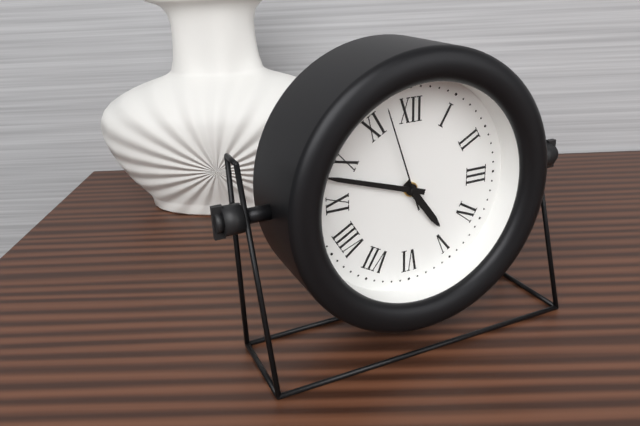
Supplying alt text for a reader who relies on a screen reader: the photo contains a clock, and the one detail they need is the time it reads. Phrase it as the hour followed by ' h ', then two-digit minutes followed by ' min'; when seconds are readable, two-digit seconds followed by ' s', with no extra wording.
4 h 48 min 57 s
